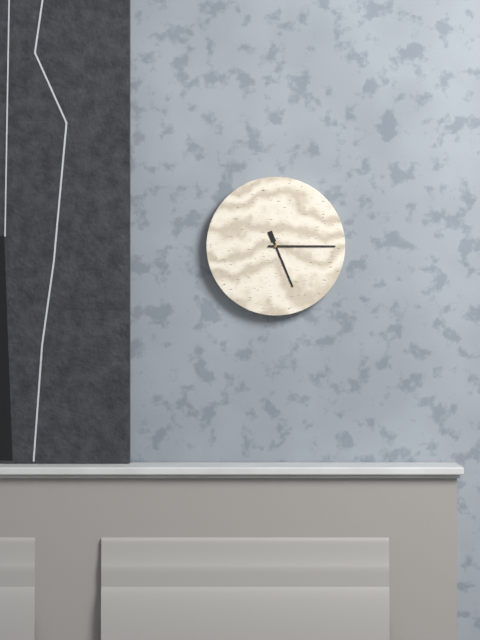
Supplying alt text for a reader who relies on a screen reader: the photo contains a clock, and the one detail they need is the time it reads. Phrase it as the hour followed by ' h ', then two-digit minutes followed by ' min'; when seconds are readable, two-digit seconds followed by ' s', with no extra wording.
5 h 15 min
